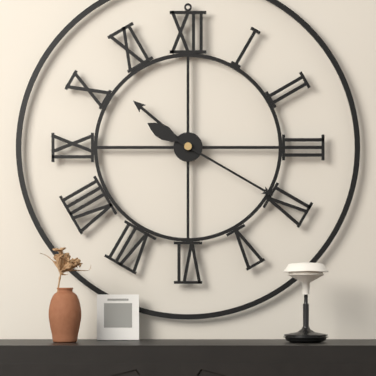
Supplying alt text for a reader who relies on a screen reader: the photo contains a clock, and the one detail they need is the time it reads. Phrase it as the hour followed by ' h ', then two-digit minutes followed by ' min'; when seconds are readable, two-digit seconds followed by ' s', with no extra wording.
10 h 20 min
